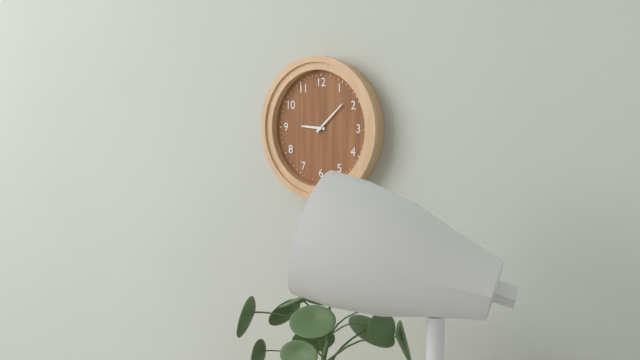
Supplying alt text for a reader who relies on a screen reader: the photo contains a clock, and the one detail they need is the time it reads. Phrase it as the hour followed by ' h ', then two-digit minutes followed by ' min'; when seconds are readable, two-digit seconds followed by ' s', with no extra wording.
9 h 08 min
